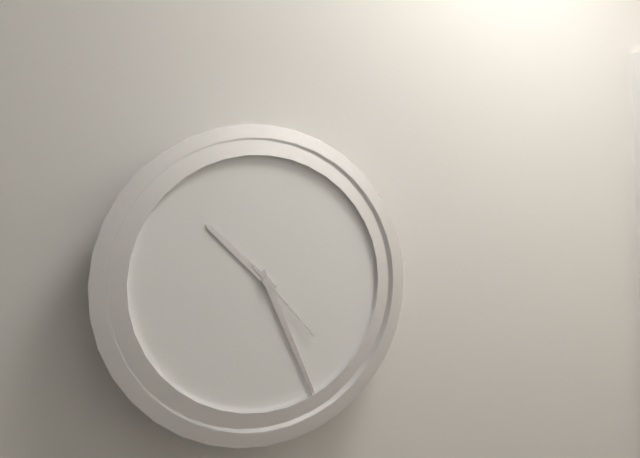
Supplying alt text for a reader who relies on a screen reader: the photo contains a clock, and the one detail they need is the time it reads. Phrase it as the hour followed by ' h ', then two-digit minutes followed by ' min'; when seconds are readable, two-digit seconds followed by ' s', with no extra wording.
10 h 26 min 23 s
